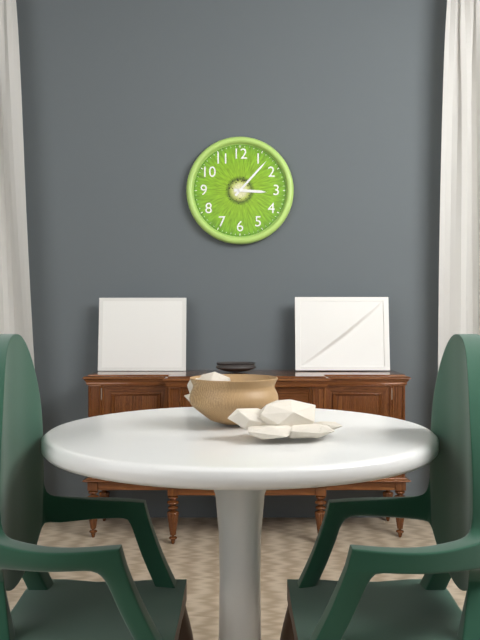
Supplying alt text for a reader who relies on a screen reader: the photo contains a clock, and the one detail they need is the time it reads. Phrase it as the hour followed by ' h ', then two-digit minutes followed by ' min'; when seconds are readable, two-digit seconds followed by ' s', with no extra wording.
3 h 07 min
